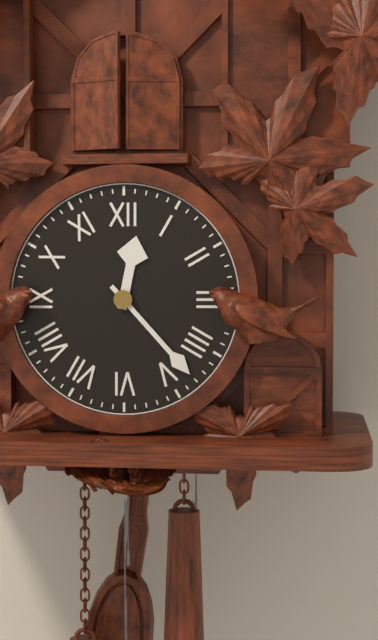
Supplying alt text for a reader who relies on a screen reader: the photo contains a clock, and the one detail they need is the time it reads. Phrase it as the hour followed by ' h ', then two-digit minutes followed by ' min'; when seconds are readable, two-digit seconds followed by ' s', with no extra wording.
12 h 23 min
